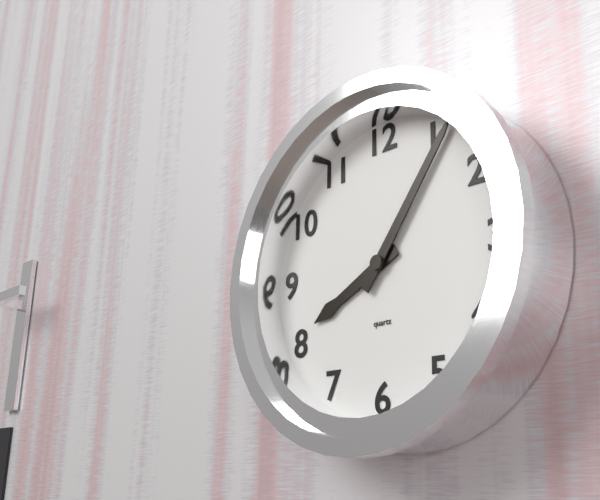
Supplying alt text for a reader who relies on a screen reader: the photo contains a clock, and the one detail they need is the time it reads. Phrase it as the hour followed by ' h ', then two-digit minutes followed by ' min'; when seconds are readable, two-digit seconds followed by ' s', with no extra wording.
8 h 06 min
